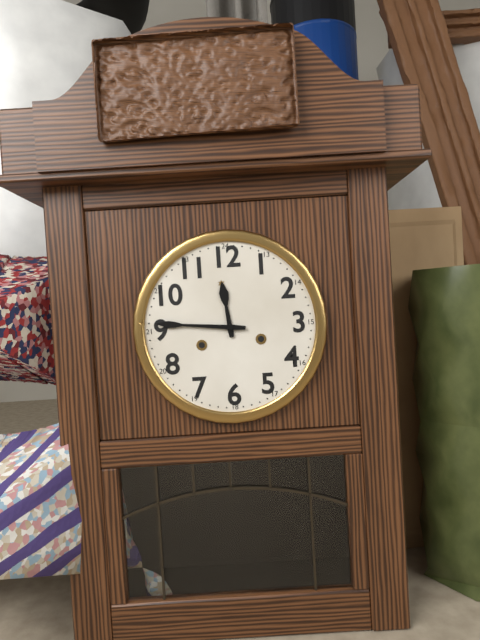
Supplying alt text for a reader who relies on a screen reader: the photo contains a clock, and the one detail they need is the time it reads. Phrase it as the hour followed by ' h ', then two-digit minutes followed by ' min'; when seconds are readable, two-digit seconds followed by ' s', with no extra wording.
11 h 46 min
